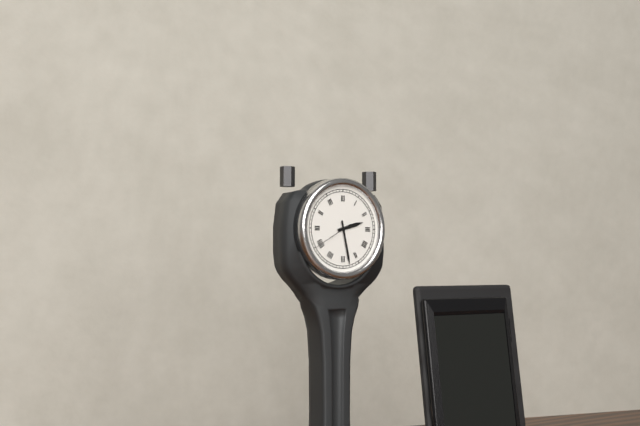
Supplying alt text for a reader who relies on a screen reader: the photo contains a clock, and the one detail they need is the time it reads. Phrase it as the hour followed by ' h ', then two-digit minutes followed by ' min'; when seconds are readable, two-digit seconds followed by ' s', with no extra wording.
2 h 28 min
